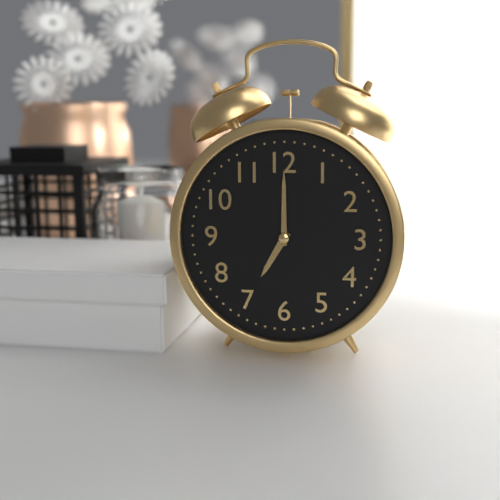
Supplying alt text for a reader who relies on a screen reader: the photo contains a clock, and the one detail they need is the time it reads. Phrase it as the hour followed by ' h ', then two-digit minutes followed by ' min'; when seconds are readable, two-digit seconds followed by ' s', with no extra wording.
7 h 00 min
